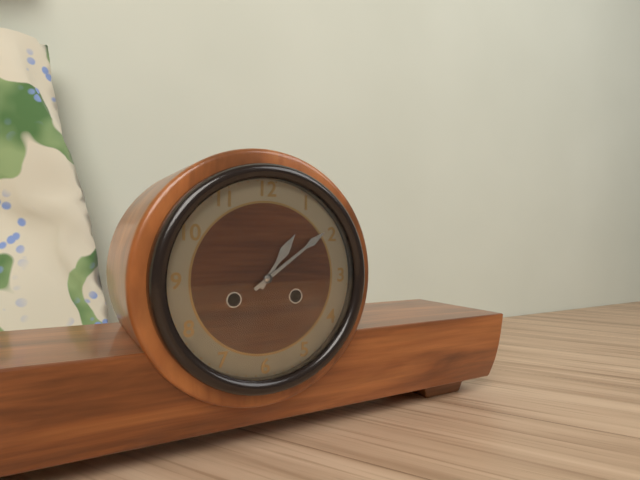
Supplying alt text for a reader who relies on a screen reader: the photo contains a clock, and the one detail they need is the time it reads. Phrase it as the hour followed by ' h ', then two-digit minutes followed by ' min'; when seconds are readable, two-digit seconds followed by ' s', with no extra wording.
1 h 09 min
